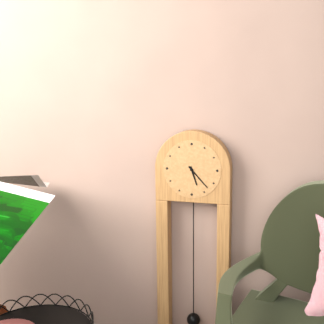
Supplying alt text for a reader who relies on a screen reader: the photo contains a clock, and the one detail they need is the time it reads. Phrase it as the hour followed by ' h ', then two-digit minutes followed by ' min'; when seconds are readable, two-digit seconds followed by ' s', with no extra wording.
5 h 23 min
